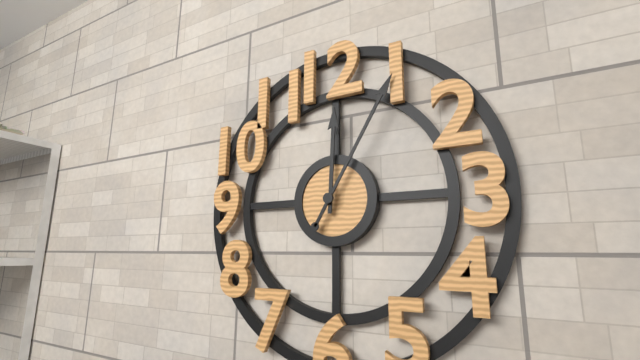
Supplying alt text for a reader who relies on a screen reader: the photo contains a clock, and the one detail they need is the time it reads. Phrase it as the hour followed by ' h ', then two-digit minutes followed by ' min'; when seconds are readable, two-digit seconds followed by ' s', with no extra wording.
12 h 05 min
